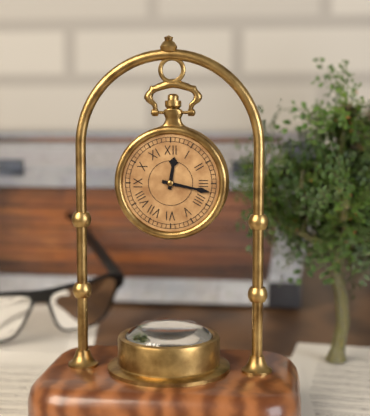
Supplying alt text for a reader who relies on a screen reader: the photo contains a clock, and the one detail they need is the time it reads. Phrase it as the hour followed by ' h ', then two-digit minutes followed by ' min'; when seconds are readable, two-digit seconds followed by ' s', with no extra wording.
12 h 17 min
